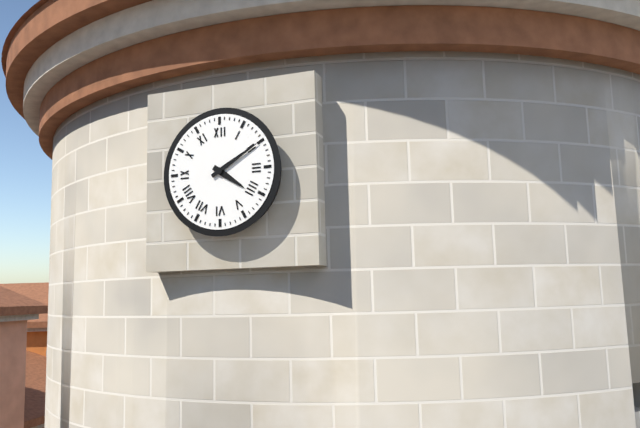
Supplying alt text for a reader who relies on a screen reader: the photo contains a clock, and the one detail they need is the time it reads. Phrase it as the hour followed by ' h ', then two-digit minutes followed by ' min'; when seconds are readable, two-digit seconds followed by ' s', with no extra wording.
4 h 10 min
